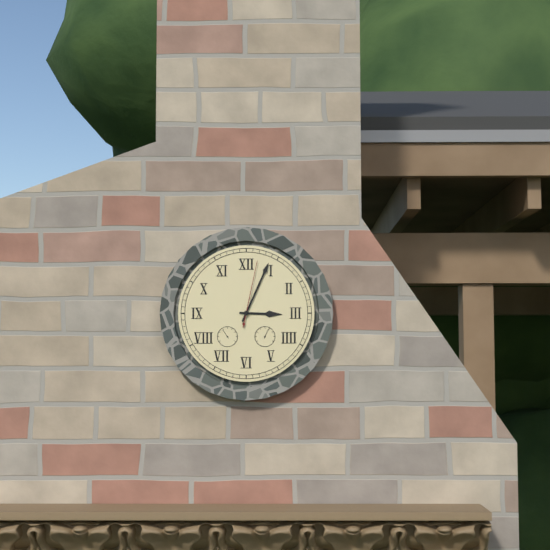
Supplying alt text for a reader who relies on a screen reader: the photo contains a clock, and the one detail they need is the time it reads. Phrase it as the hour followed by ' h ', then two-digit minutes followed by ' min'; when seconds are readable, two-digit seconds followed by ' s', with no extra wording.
3 h 04 min 02 s
